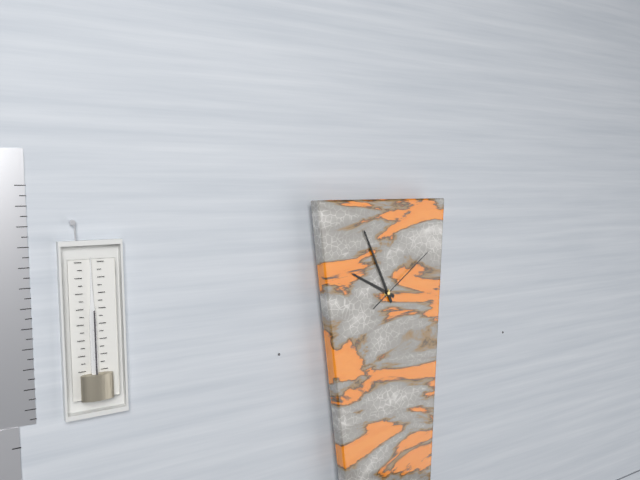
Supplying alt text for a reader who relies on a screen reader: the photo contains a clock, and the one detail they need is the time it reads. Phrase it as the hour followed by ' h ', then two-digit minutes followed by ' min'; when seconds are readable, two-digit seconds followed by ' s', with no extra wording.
9 h 56 min 09 s
